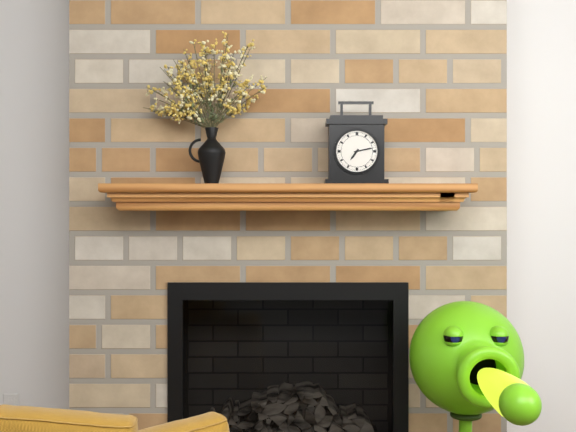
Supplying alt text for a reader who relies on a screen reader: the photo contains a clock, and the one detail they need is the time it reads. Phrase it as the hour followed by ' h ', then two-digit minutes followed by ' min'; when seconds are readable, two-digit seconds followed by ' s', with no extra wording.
7 h 13 min
